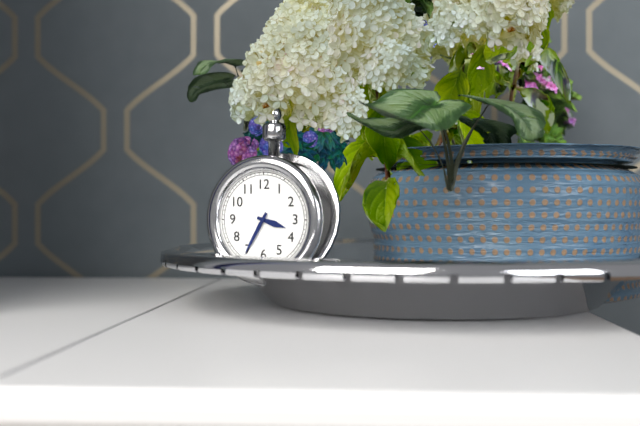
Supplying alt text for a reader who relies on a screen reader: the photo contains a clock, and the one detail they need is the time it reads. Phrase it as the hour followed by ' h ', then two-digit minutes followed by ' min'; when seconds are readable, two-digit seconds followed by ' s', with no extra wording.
3 h 35 min
